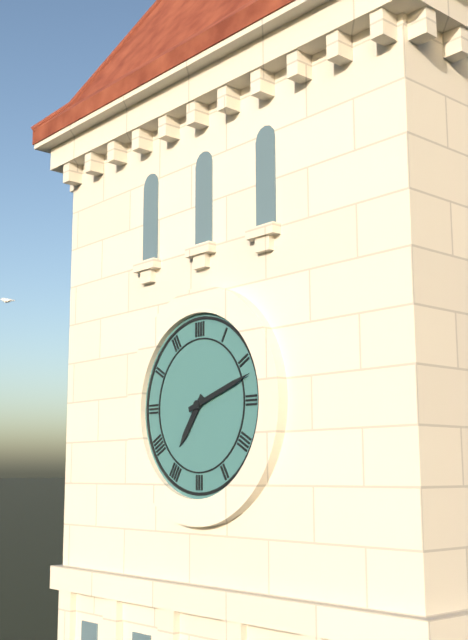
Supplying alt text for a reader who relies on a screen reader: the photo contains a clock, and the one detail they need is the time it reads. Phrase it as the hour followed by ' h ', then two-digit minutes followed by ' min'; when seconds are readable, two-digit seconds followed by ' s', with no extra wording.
7 h 12 min
